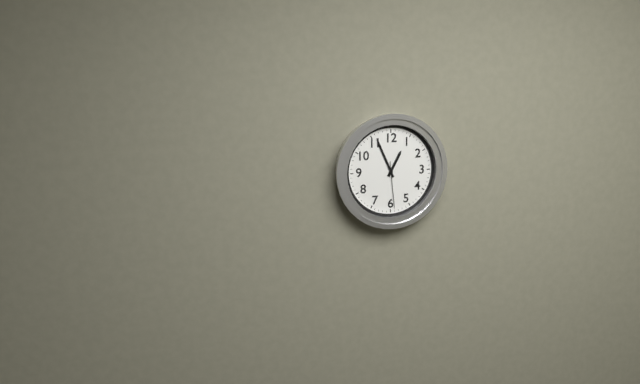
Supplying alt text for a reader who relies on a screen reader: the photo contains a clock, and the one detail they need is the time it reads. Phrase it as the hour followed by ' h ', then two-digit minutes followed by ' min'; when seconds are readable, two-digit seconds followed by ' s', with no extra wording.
12 h 56 min
